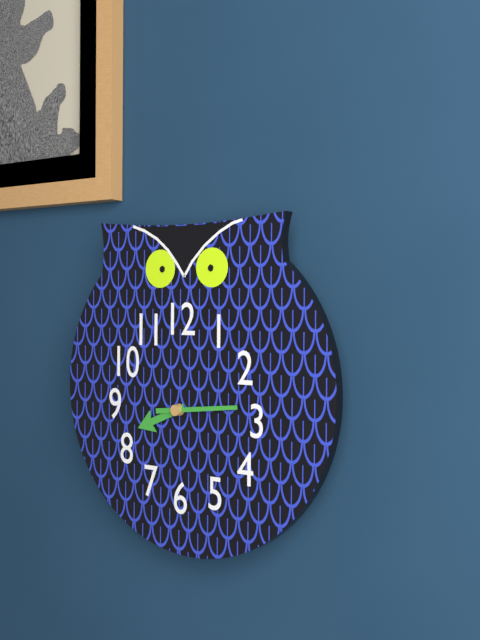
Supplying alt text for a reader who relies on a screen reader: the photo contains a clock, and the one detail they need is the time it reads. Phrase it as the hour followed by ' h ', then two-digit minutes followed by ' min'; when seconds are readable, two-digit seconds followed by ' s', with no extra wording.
8 h 14 min
